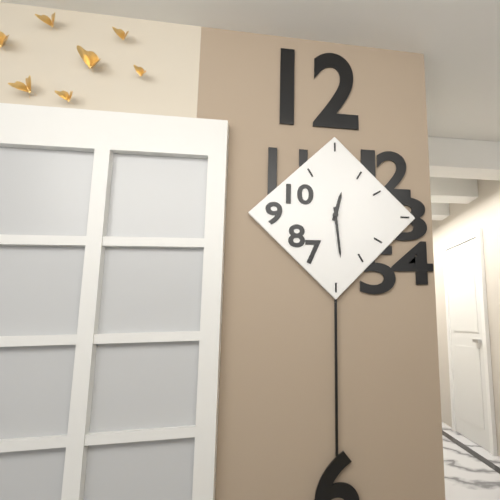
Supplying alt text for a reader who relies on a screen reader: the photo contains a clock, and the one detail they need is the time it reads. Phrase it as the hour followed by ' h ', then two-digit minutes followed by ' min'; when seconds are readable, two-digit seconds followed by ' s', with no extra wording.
12 h 29 min
